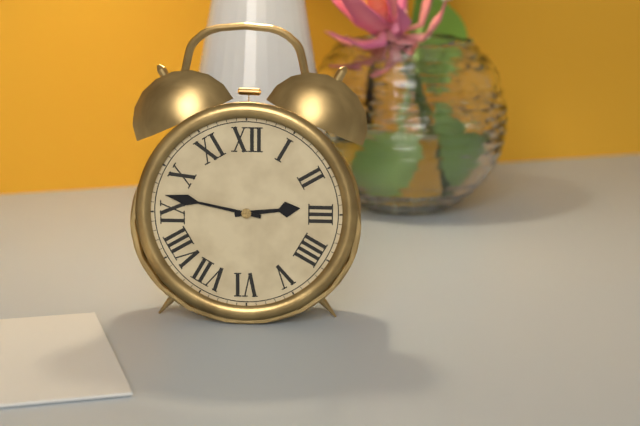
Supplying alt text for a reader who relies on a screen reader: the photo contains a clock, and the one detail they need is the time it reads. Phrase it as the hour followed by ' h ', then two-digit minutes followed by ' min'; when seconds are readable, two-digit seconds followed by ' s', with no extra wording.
2 h 47 min
